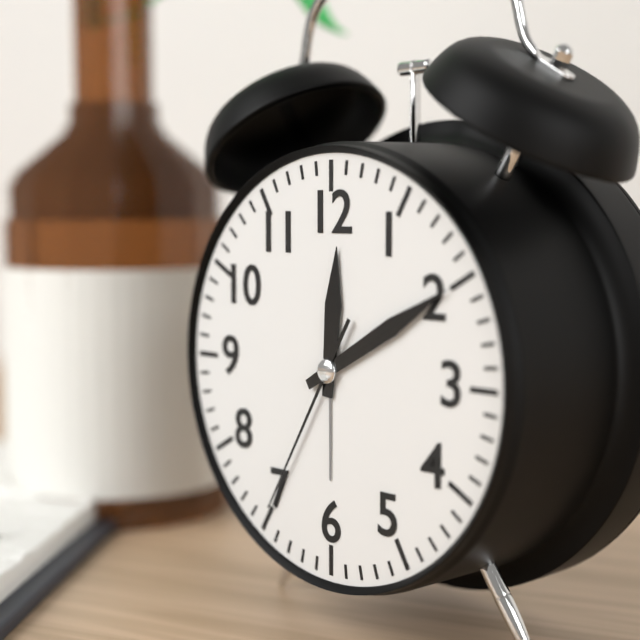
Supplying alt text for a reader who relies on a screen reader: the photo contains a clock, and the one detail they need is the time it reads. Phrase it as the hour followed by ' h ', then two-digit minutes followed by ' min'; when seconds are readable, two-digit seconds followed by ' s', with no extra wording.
12 h 10 min 35 s
